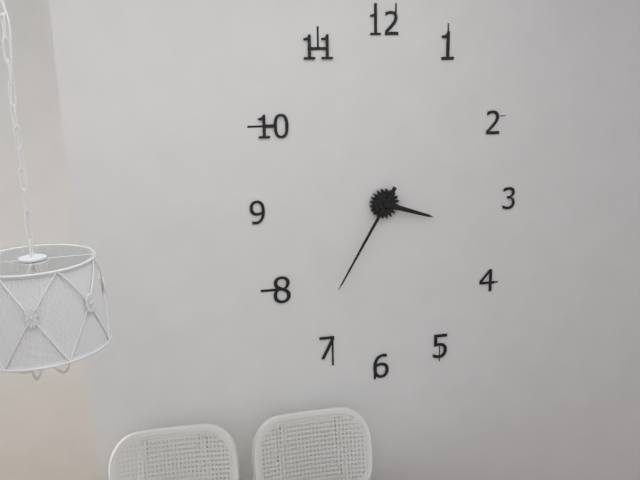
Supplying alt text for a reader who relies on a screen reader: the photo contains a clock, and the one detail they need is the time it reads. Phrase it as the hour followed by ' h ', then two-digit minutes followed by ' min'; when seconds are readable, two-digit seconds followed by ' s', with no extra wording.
3 h 35 min
